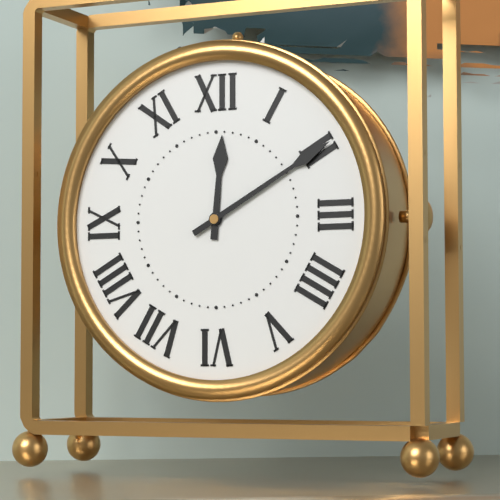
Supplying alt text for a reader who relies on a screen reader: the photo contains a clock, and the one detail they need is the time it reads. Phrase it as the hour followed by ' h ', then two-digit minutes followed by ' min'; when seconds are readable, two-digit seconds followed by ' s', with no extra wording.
12 h 10 min
